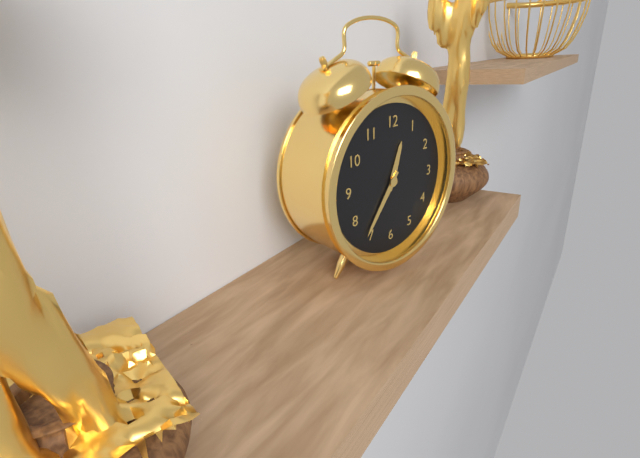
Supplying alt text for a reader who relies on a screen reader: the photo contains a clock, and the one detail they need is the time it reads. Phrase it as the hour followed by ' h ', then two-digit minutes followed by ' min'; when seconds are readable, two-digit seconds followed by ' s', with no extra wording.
12 h 36 min
